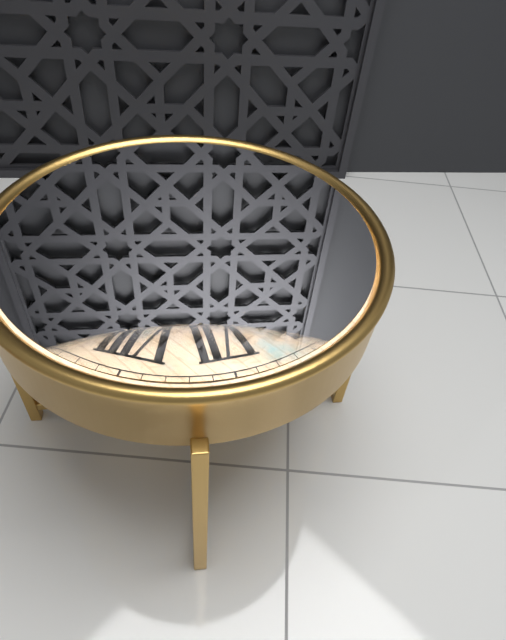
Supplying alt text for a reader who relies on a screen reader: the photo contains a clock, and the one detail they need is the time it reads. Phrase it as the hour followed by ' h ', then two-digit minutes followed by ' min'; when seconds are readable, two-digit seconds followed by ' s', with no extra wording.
8 h 49 min
